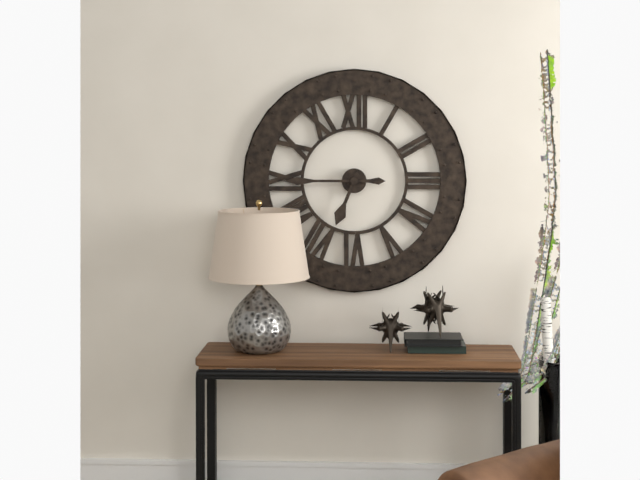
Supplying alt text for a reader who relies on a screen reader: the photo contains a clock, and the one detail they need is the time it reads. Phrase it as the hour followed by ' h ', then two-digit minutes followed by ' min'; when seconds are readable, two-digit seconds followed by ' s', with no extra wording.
6 h 45 min
